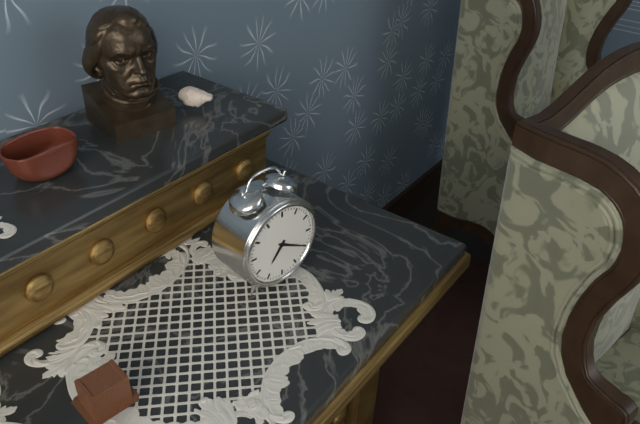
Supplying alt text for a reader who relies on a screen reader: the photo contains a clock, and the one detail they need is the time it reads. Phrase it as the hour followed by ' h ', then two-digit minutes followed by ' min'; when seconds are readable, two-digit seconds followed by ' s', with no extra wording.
7 h 20 min
